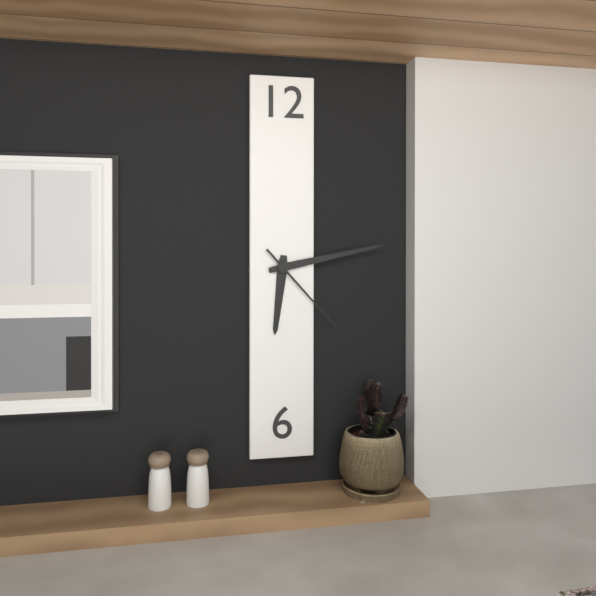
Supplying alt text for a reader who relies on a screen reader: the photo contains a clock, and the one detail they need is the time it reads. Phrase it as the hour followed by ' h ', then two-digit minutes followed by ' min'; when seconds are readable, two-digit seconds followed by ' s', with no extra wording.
6 h 13 min 23 s
